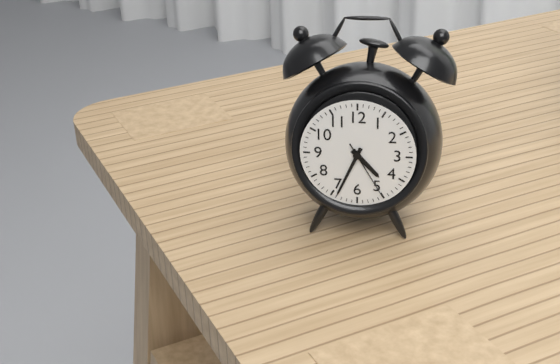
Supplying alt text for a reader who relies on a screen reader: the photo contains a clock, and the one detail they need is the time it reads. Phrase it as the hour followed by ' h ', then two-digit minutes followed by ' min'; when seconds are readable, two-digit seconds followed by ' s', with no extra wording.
4 h 34 min 25 s
